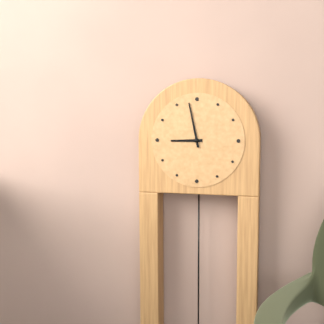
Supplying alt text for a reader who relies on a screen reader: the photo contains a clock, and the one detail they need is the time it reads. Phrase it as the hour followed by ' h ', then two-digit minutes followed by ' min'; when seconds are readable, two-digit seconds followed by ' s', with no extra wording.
8 h 58 min
